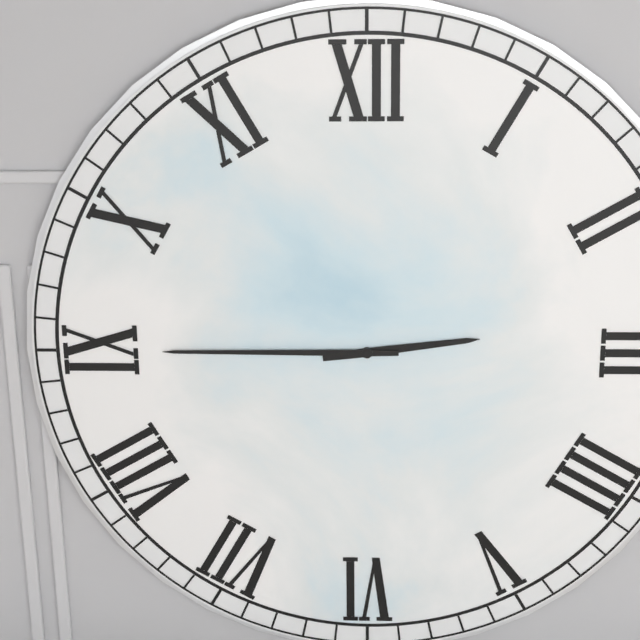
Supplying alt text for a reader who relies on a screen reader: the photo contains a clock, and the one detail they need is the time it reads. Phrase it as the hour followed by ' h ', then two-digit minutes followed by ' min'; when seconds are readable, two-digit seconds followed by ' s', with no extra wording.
2 h 45 min
